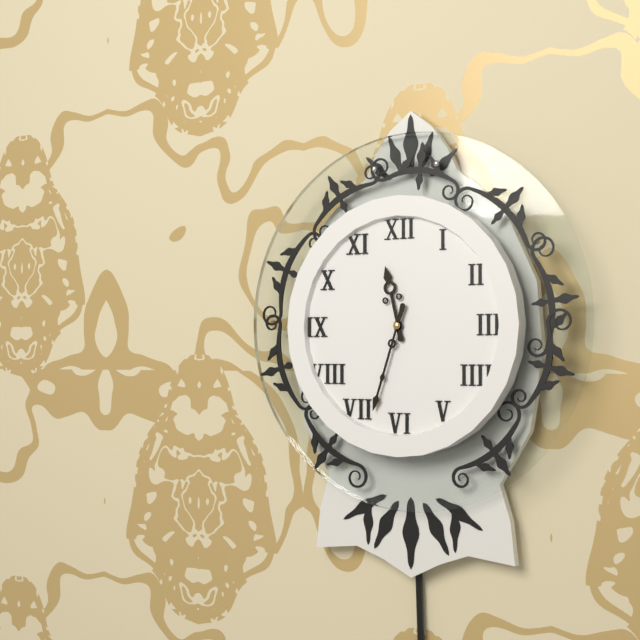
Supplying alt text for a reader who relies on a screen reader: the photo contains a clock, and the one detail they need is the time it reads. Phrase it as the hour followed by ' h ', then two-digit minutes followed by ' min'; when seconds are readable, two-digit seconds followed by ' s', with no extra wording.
11 h 33 min
